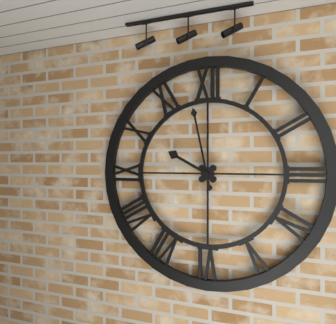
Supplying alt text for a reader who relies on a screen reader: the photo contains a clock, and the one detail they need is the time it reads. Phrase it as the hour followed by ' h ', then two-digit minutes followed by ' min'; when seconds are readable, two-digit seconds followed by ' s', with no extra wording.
9 h 58 min
